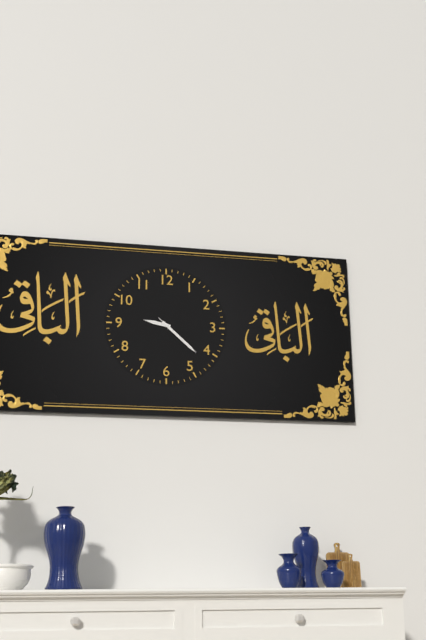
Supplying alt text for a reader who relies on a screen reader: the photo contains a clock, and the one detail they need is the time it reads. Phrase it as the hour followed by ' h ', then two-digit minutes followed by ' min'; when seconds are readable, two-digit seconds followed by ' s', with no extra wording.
9 h 22 min 22 s
